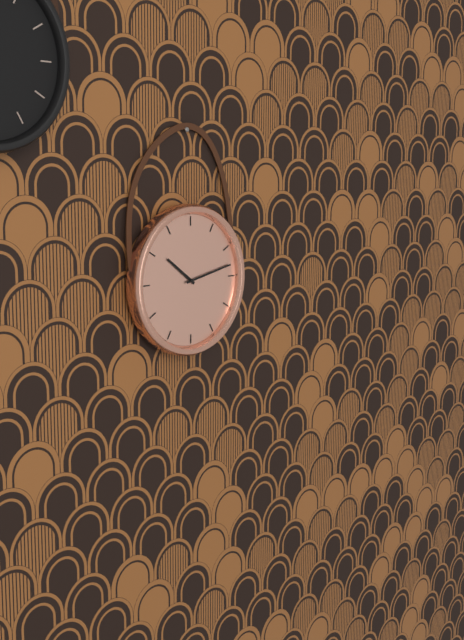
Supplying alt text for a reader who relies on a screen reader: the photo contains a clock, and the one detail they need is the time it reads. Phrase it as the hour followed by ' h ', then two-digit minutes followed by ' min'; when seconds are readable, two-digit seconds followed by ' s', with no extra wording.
10 h 13 min
